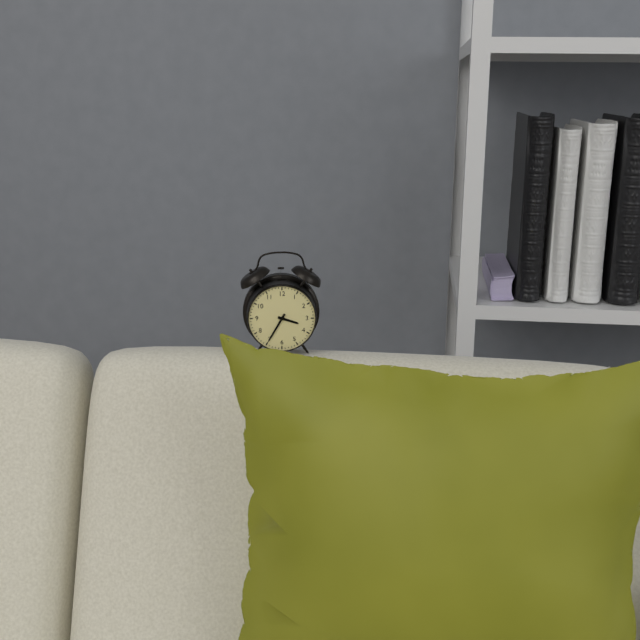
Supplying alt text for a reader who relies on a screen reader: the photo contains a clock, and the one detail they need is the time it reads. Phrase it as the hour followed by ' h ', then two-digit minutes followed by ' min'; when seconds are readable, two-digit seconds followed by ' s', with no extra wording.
3 h 35 min
